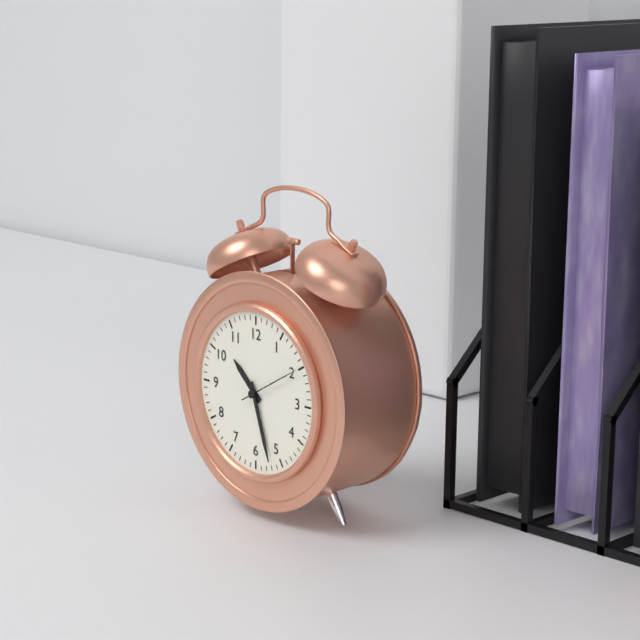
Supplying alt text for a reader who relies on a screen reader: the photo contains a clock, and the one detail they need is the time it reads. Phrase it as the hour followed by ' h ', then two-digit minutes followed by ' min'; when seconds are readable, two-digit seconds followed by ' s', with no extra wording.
10 h 27 min 10 s
